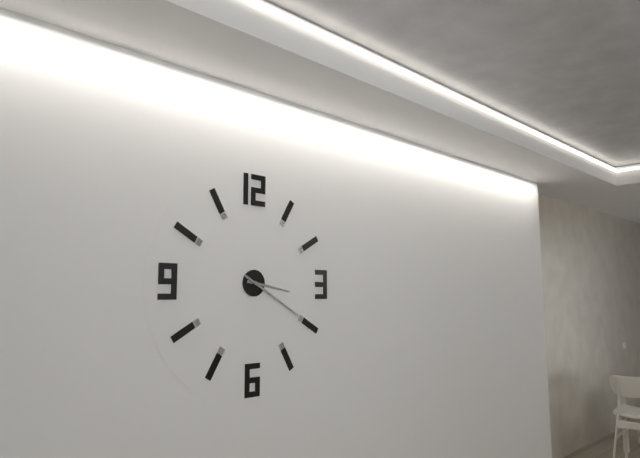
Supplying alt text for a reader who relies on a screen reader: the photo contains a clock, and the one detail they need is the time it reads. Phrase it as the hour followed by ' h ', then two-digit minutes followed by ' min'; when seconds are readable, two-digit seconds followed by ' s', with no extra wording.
3 h 20 min
